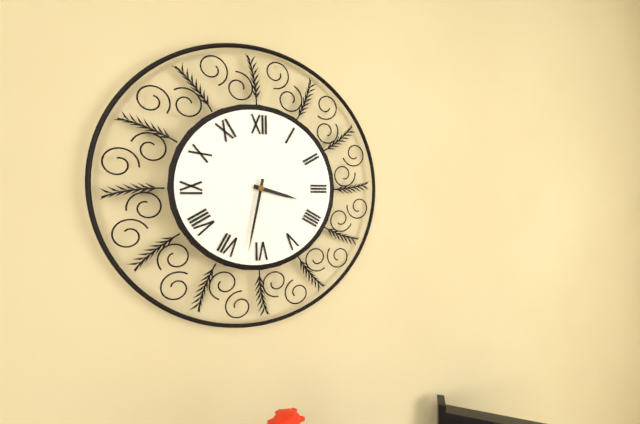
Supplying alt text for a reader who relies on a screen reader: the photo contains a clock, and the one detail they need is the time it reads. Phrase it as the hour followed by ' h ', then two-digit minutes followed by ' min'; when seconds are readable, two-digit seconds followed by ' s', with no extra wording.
3 h 32 min
